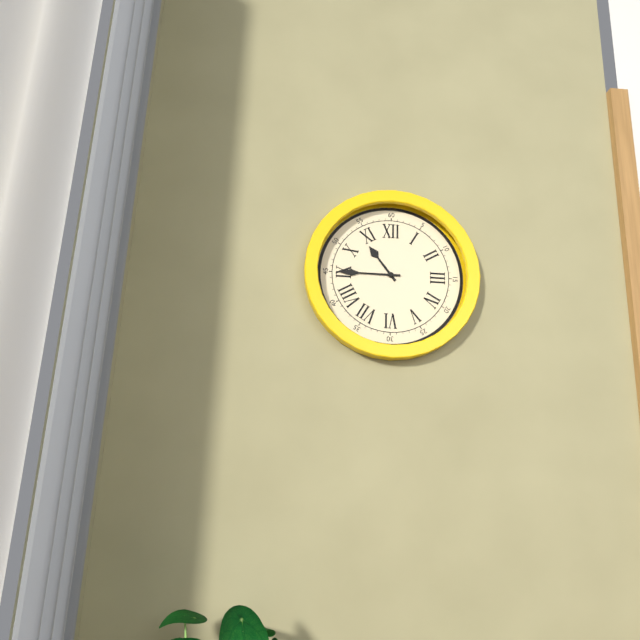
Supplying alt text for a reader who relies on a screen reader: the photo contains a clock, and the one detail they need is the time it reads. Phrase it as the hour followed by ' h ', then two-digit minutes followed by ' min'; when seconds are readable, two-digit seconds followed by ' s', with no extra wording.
10 h 45 min
